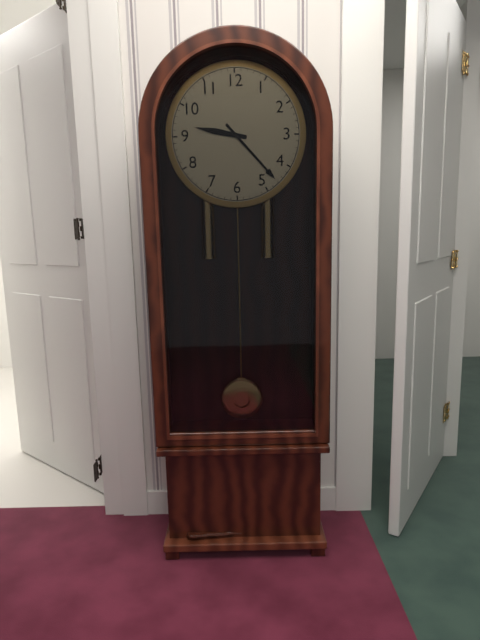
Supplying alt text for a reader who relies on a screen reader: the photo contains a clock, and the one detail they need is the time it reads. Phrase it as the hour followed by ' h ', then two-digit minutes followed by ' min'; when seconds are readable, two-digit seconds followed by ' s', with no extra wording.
9 h 23 min
